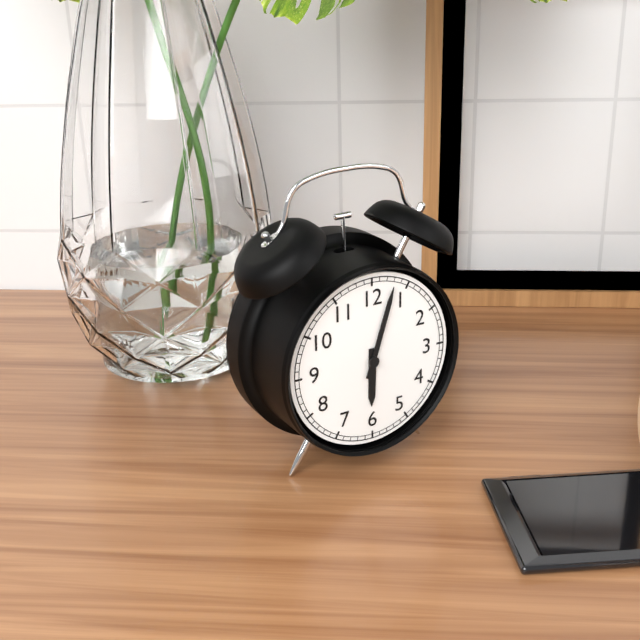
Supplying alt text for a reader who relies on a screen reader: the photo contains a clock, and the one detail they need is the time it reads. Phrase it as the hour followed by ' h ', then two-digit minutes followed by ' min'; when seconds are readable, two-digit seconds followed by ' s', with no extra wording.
6 h 03 min
